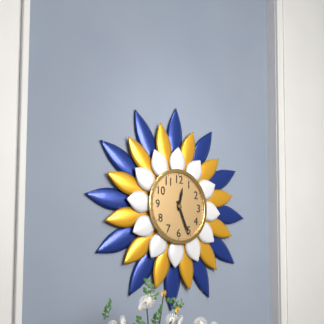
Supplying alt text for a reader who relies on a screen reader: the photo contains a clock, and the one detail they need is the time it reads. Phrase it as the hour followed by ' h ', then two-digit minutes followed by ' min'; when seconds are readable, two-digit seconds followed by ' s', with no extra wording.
12 h 26 min
